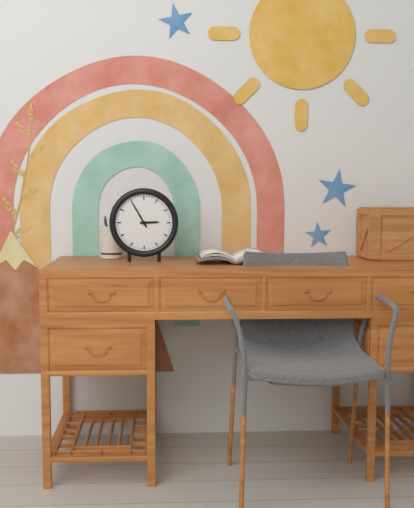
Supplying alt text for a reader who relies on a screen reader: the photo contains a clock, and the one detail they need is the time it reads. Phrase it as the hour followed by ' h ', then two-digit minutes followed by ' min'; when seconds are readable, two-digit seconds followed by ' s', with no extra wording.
2 h 55 min
